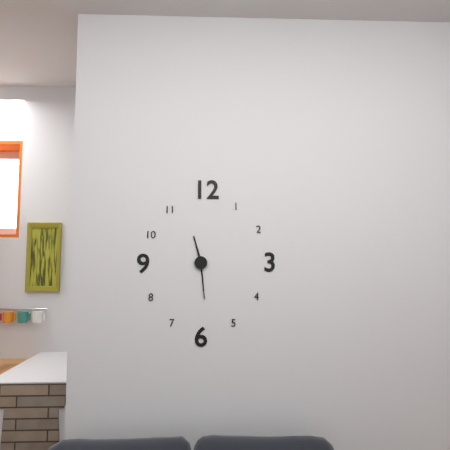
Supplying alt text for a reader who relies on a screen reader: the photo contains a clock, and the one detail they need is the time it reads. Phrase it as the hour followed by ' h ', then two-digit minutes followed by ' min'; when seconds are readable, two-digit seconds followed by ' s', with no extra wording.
11 h 29 min
